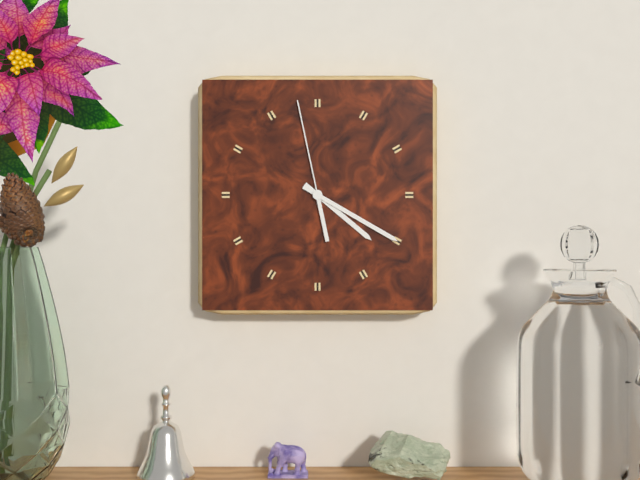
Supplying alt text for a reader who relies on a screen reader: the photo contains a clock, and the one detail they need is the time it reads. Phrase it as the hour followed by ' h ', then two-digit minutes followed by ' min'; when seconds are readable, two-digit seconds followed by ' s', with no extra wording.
4 h 20 min 58 s
